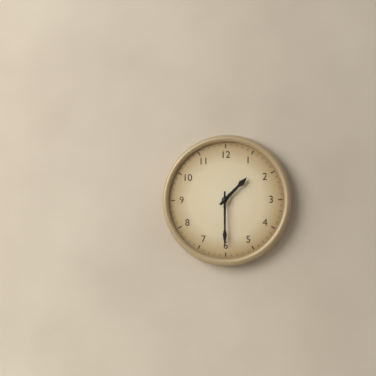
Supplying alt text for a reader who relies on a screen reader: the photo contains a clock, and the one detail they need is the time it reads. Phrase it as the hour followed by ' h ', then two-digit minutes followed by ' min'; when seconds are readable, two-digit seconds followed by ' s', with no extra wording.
1 h 30 min
